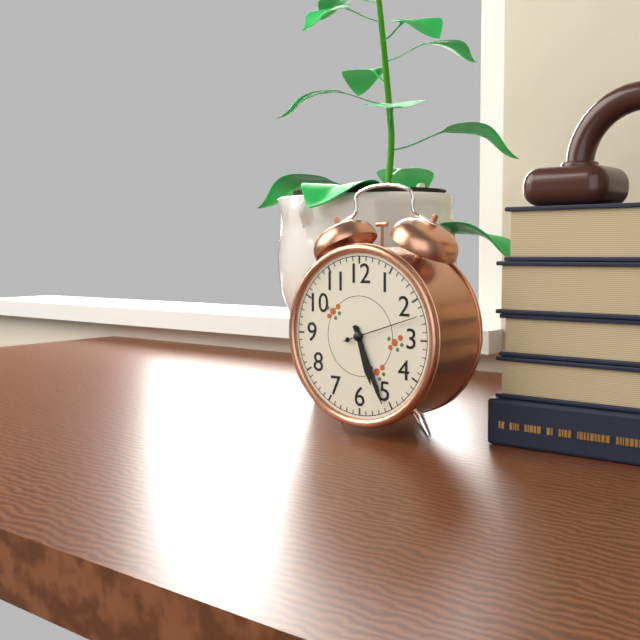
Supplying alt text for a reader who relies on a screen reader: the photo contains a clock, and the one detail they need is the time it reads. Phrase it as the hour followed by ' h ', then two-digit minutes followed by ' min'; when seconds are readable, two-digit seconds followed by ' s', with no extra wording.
5 h 26 min 12 s
